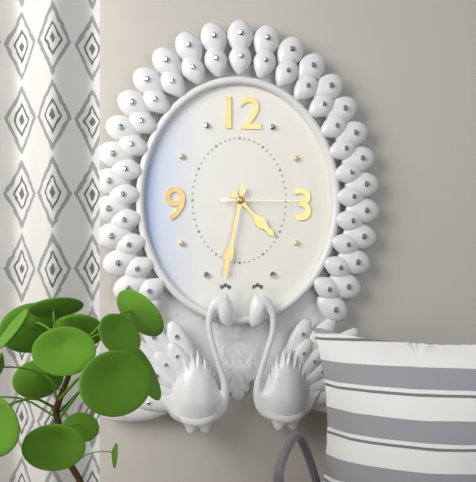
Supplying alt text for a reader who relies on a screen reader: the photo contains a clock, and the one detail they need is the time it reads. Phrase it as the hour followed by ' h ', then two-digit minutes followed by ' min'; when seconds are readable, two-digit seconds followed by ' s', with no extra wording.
4 h 32 min 15 s
